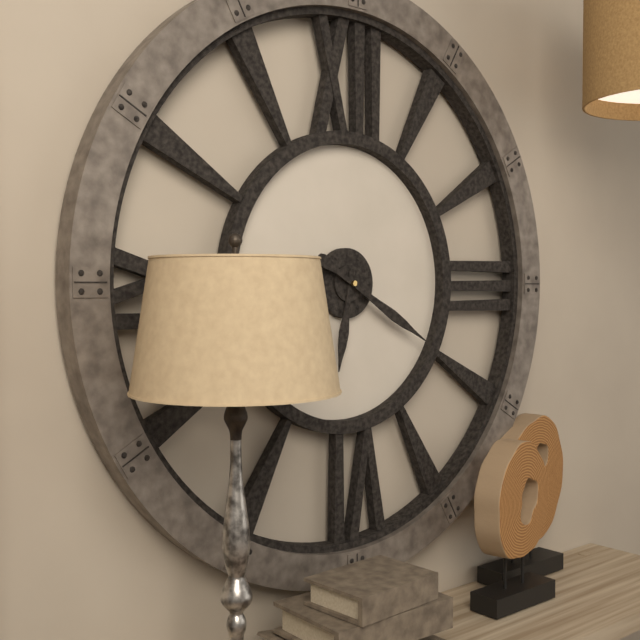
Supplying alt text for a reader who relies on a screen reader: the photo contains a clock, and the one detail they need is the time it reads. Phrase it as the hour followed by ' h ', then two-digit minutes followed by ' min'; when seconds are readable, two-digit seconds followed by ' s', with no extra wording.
6 h 20 min
